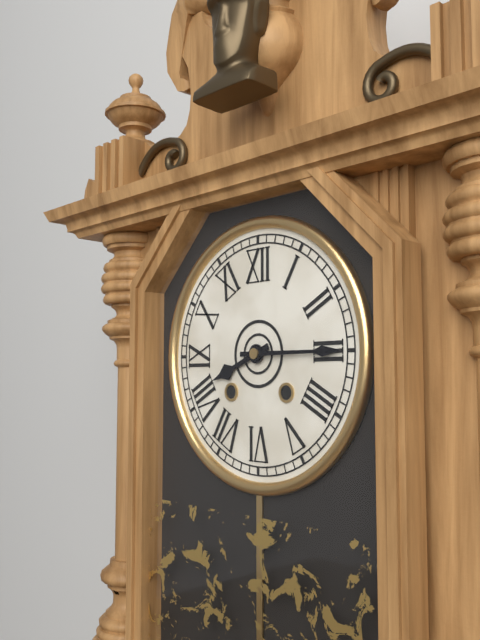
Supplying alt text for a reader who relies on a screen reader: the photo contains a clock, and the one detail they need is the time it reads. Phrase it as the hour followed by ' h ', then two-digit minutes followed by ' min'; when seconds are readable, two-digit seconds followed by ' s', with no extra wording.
8 h 15 min
